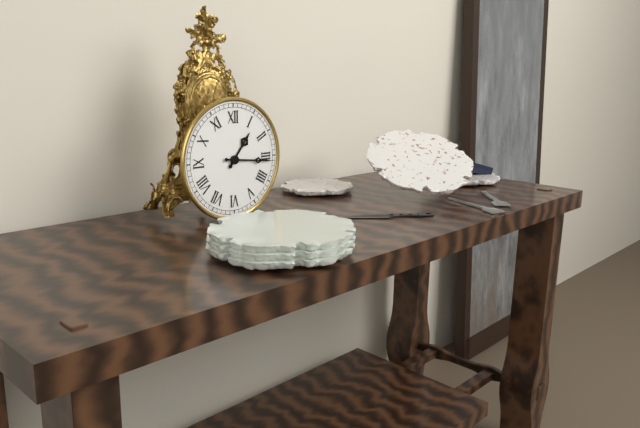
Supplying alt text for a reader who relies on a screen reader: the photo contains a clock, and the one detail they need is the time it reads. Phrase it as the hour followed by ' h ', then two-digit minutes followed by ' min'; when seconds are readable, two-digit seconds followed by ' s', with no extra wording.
1 h 16 min
